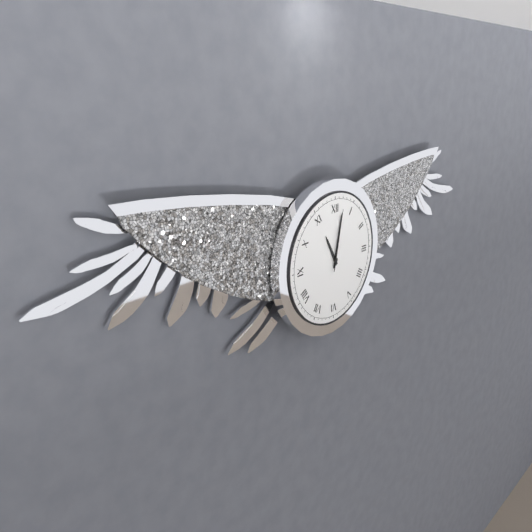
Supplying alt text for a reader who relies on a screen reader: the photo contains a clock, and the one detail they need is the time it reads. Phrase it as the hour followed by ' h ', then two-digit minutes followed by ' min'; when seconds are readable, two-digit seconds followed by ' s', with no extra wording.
11 h 02 min 02 s
